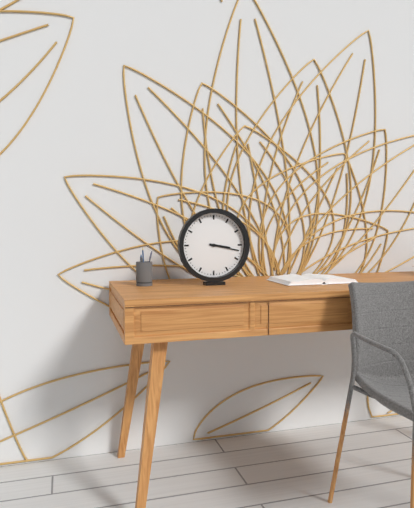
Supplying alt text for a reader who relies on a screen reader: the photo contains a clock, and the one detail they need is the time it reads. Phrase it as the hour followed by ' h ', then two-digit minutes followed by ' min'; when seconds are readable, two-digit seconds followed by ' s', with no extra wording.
3 h 17 min
